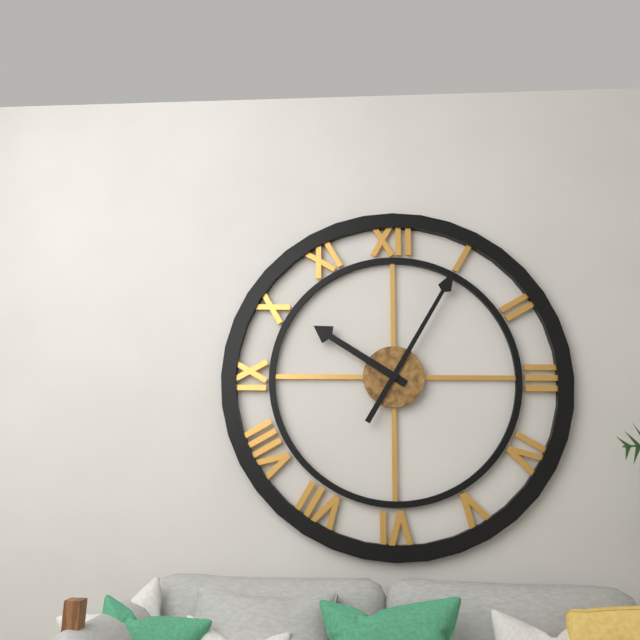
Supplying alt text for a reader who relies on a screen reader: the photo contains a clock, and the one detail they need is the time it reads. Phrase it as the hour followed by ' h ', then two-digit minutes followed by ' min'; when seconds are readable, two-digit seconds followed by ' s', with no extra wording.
10 h 05 min
